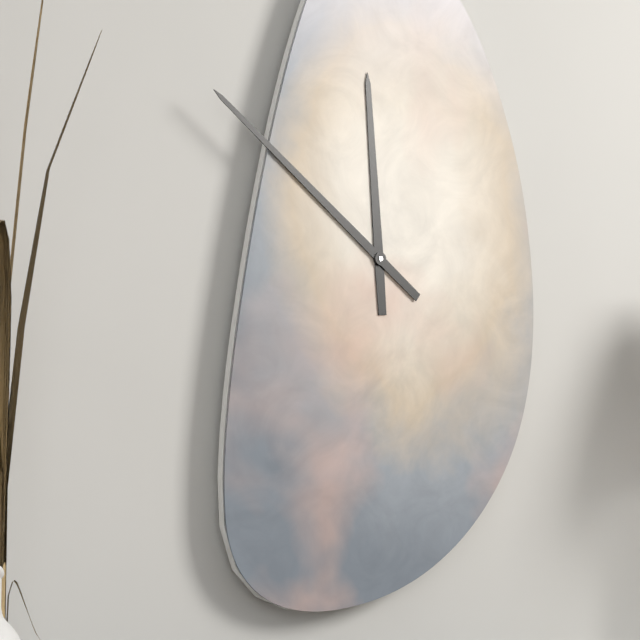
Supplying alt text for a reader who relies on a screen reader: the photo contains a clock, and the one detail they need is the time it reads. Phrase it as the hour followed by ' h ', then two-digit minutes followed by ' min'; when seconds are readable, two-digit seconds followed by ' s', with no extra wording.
11 h 51 min
